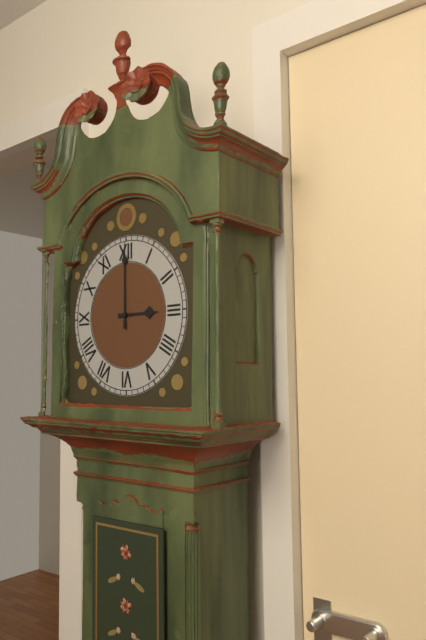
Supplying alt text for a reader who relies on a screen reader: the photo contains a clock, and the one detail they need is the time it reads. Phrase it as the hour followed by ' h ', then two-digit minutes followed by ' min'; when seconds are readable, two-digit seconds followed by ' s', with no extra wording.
3 h 00 min
